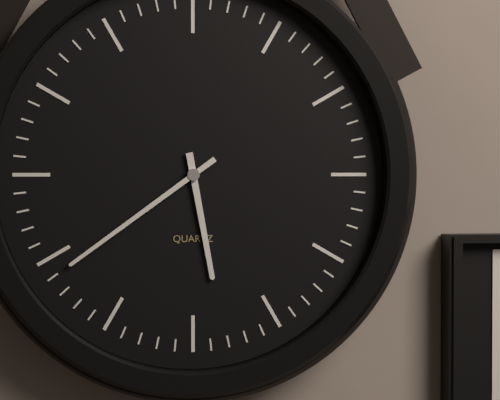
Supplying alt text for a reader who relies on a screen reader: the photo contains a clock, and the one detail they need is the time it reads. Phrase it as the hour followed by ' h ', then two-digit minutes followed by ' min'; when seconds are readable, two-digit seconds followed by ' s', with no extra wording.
5 h 39 min
